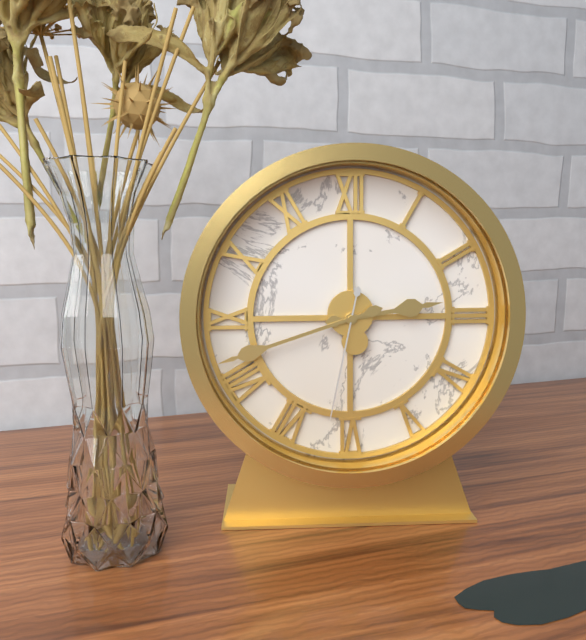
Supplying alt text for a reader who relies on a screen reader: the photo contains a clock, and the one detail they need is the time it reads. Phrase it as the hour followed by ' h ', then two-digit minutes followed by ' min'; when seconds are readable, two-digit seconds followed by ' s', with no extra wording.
2 h 42 min 32 s
